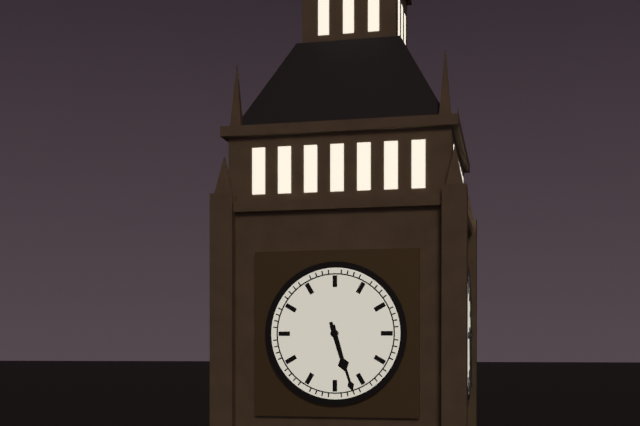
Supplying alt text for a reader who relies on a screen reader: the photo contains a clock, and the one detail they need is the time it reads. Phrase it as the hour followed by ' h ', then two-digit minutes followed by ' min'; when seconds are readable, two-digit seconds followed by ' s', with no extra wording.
5 h 27 min
